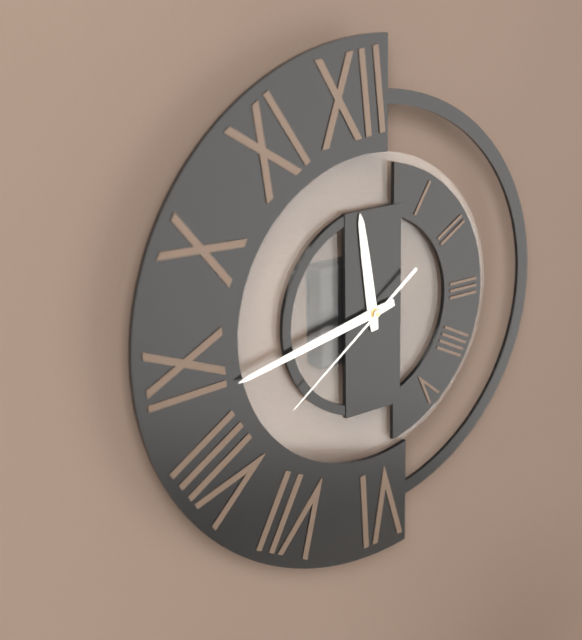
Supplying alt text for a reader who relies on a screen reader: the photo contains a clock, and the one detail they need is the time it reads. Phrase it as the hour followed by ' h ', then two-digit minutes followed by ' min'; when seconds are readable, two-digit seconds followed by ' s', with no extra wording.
11 h 43 min 39 s
